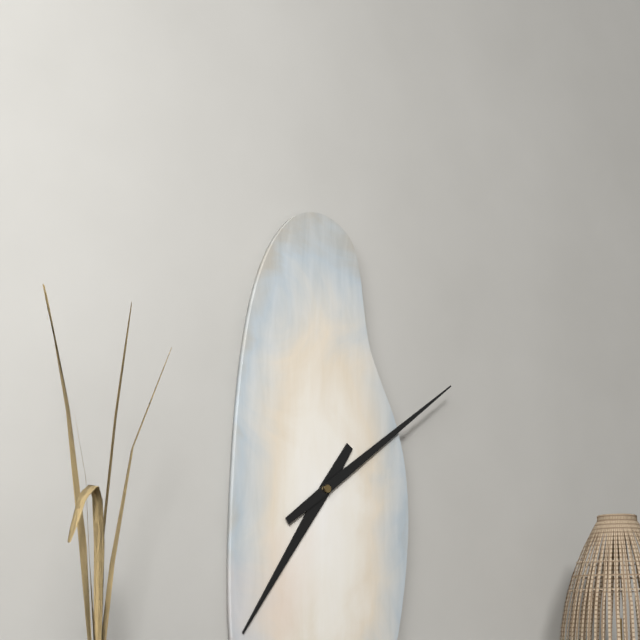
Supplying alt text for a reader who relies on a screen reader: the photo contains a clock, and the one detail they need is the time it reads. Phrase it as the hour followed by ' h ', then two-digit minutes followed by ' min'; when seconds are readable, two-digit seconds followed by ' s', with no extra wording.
7 h 09 min
